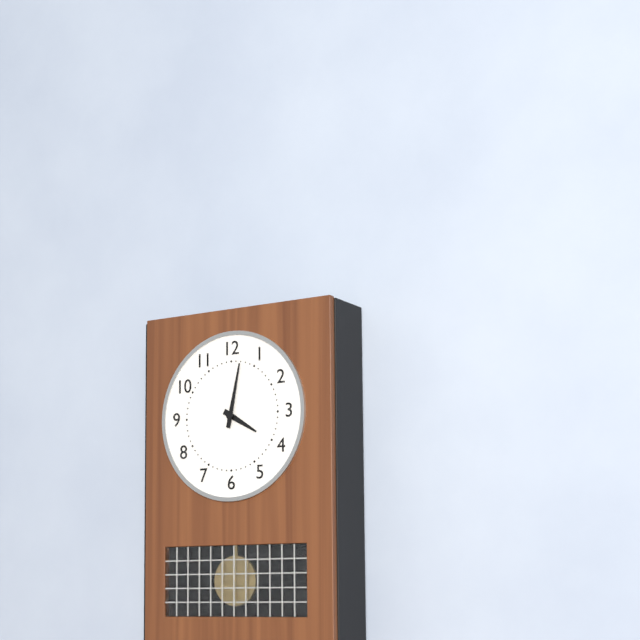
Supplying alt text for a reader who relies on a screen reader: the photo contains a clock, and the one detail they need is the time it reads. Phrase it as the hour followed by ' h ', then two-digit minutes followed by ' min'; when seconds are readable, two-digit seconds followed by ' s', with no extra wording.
4 h 02 min
